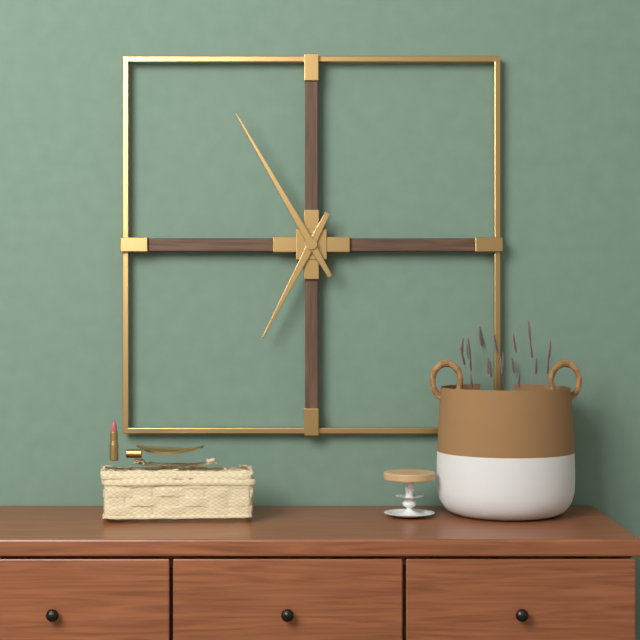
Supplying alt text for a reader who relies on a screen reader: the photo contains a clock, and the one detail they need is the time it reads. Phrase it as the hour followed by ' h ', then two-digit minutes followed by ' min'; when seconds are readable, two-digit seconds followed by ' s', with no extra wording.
6 h 55 min
